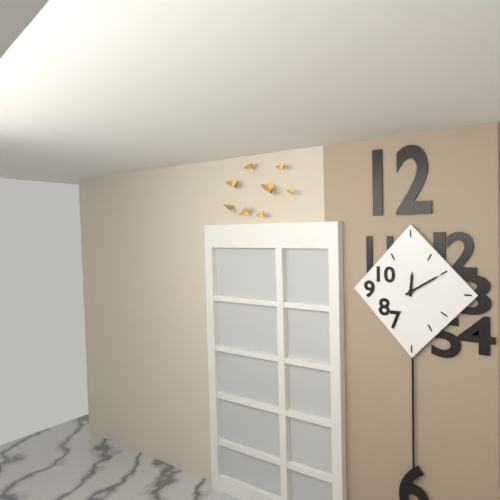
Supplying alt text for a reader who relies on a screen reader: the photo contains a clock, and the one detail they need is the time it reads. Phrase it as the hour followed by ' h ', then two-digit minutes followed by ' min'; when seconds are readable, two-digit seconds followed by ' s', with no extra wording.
12 h 10 min
